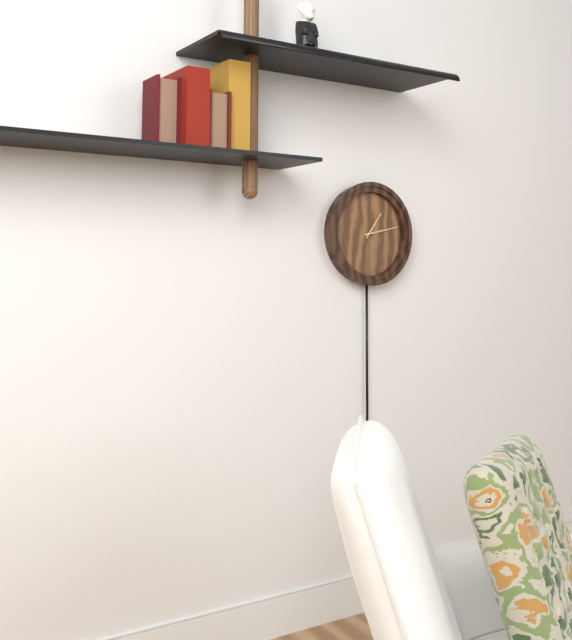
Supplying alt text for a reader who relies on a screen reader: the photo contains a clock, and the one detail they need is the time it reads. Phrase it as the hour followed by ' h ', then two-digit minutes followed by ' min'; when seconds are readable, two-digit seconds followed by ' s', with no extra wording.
1 h 13 min
